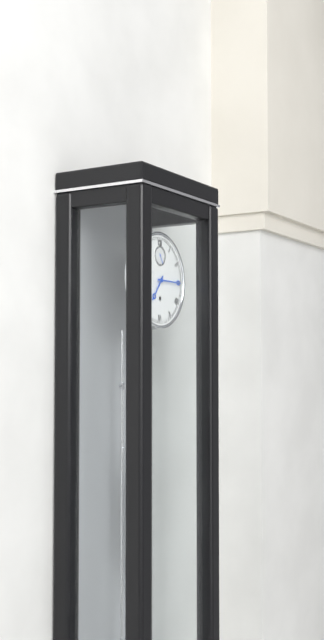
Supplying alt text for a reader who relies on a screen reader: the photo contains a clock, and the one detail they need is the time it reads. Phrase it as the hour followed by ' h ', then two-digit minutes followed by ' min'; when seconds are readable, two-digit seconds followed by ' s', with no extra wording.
7 h 15 min
